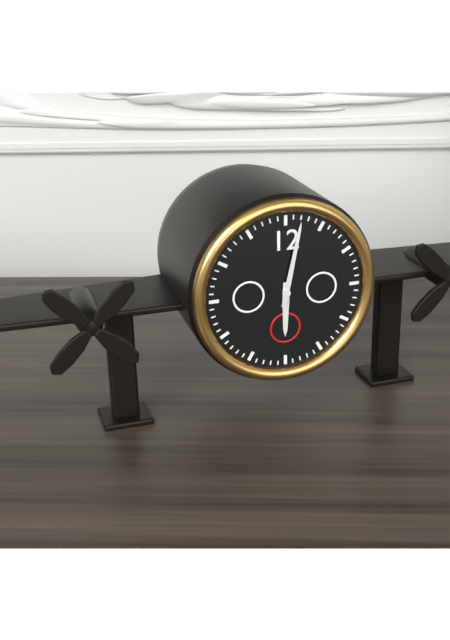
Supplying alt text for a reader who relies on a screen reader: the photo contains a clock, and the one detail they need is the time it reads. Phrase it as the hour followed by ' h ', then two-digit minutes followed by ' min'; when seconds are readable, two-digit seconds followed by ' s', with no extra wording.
6 h 02 min
